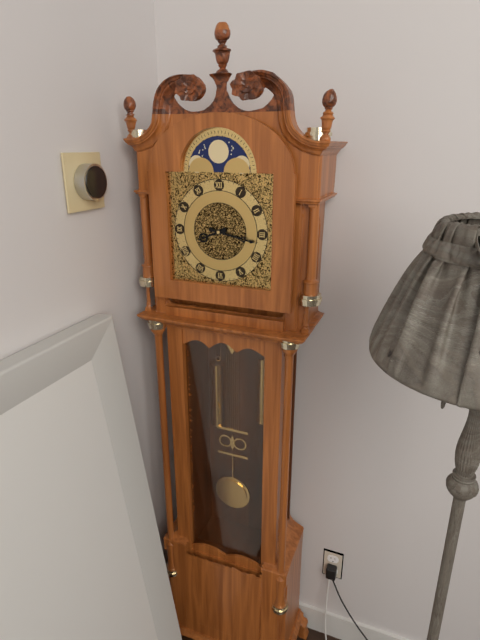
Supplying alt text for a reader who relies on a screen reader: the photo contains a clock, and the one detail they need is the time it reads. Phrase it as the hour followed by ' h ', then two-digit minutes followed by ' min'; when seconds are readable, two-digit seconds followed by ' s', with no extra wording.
8 h 17 min
